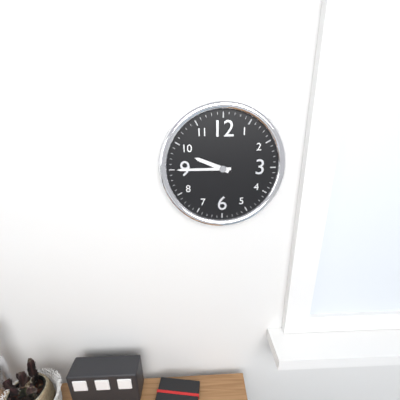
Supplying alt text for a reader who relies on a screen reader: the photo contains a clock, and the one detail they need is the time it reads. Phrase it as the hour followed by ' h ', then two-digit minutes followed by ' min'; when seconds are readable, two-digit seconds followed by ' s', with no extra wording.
9 h 45 min
